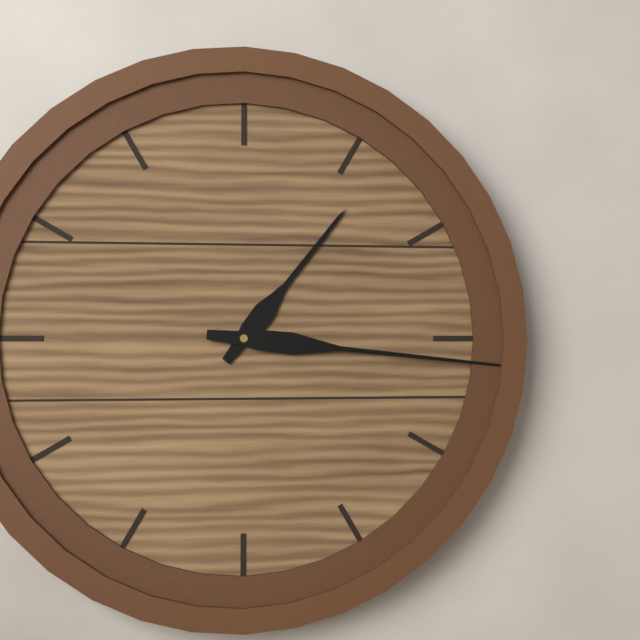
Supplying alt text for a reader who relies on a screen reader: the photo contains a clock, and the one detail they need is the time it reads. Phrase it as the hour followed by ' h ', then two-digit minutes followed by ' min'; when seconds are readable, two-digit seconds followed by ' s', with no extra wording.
1 h 16 min
